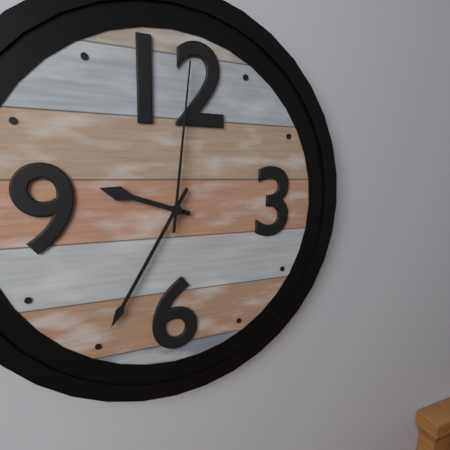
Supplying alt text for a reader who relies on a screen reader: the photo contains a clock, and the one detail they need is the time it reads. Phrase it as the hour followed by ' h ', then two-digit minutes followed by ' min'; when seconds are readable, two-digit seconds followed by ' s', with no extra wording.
9 h 35 min 01 s
